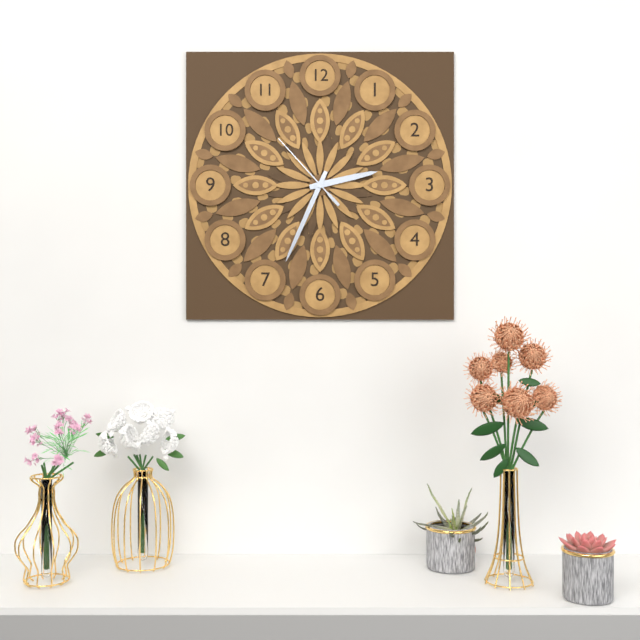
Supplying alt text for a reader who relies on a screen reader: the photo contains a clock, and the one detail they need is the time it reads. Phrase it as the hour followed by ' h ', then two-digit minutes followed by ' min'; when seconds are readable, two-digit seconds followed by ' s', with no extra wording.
2 h 34 min 53 s
